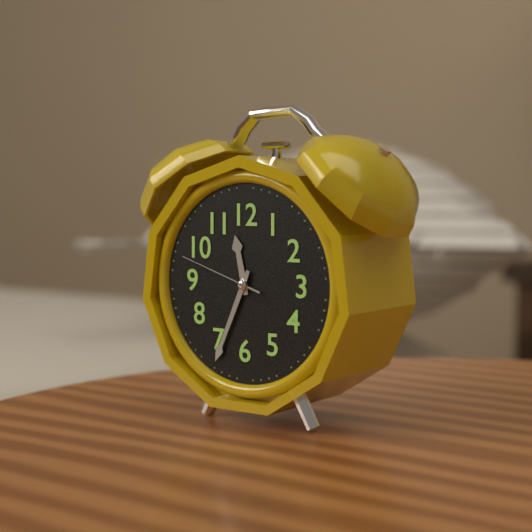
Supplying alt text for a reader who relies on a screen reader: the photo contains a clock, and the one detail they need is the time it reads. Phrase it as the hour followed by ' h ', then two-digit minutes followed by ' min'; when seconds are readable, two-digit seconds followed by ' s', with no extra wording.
11 h 34 min 48 s
